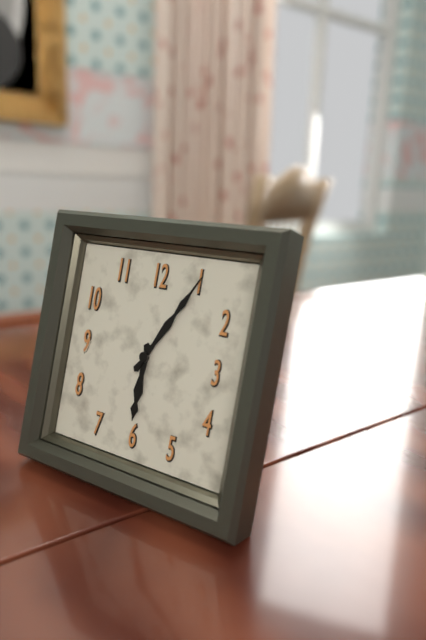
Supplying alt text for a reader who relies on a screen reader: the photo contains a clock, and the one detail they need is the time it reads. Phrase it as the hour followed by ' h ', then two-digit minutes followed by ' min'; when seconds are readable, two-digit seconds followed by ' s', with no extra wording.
6 h 05 min
